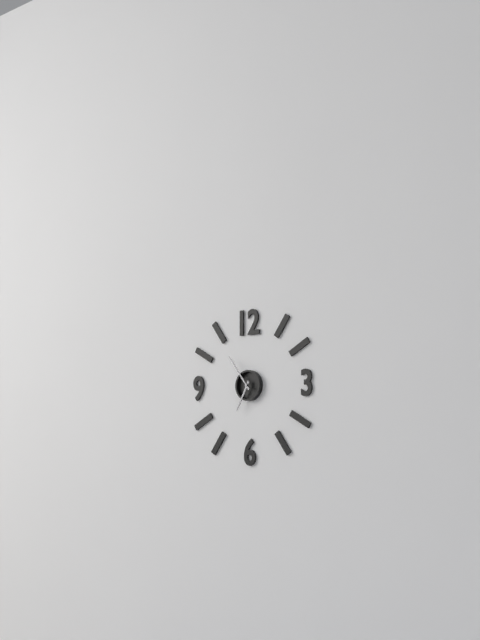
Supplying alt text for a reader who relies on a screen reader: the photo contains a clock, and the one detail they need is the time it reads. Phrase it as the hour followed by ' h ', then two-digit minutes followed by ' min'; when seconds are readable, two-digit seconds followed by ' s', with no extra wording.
6 h 54 min
